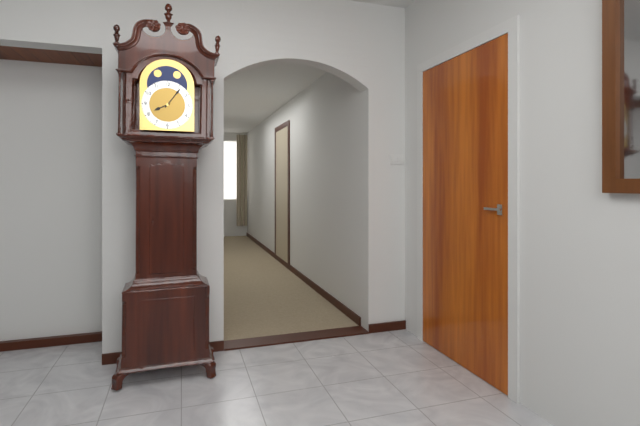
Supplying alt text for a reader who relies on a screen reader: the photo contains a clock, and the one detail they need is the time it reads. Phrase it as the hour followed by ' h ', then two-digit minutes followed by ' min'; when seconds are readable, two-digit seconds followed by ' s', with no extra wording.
8 h 06 min
